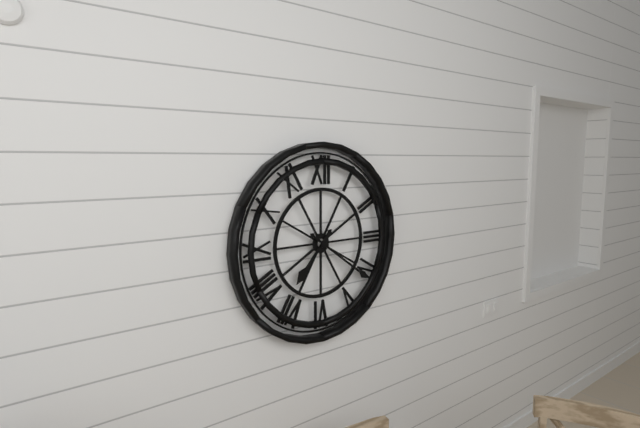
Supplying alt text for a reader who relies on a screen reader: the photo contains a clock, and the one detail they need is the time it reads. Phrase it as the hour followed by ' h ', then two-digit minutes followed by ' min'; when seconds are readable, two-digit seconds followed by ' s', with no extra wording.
7 h 21 min
